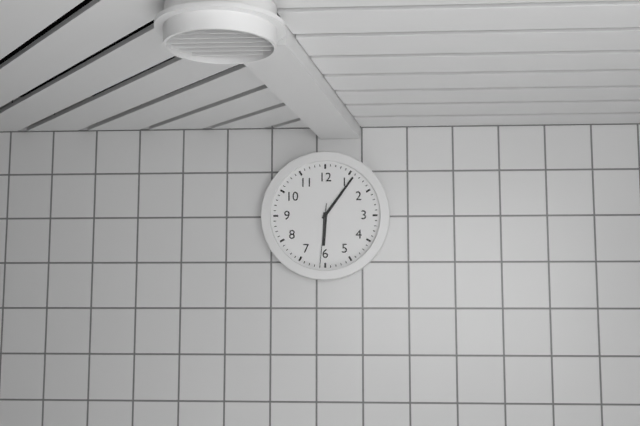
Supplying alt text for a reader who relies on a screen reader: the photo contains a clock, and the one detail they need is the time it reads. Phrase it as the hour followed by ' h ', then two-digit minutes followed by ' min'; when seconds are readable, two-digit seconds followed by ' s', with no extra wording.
6 h 06 min 31 s
